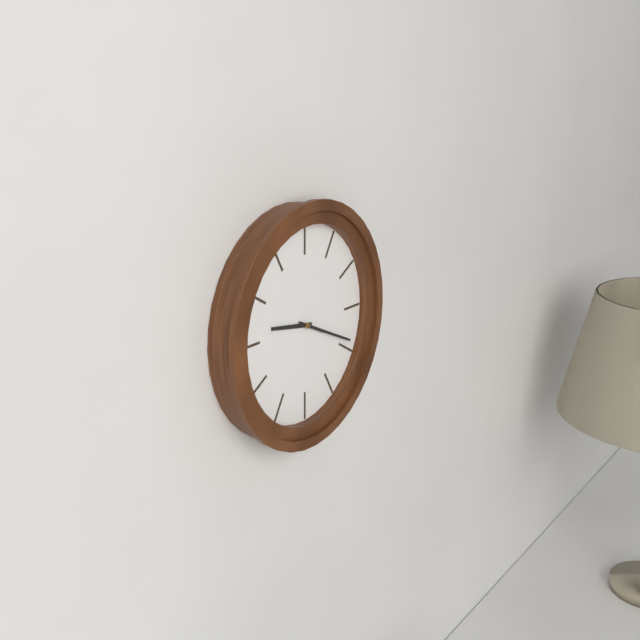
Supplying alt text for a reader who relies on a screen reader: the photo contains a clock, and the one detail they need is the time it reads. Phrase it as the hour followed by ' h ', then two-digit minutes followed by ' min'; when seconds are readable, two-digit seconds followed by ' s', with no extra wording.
9 h 19 min
